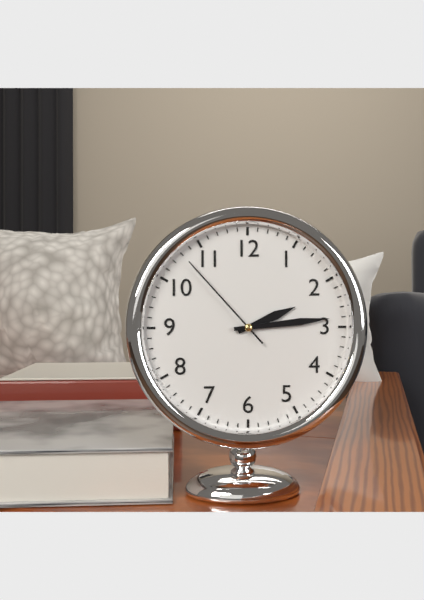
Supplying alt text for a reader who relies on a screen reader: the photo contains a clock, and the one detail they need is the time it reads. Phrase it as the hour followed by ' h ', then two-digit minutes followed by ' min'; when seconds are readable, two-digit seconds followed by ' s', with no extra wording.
2 h 14 min 53 s
